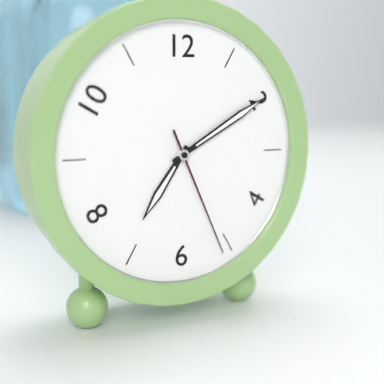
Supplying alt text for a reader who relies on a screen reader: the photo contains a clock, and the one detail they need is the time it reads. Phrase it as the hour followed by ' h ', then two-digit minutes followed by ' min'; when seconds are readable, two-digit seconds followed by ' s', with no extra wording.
7 h 10 min 26 s
